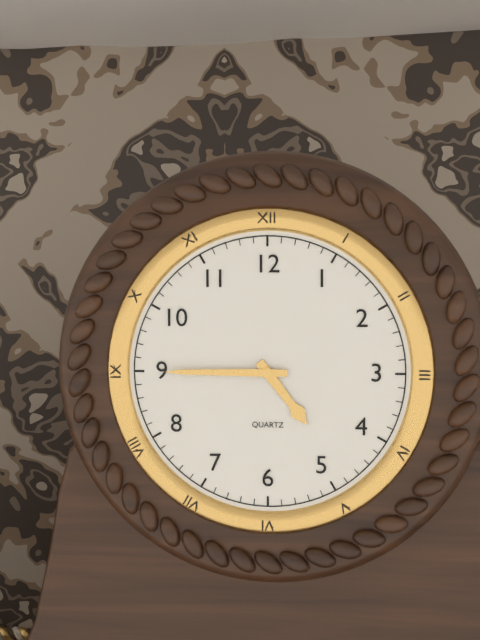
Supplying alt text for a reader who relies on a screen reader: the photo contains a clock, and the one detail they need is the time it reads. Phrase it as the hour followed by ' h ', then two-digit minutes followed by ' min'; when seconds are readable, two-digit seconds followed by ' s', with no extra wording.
4 h 45 min
